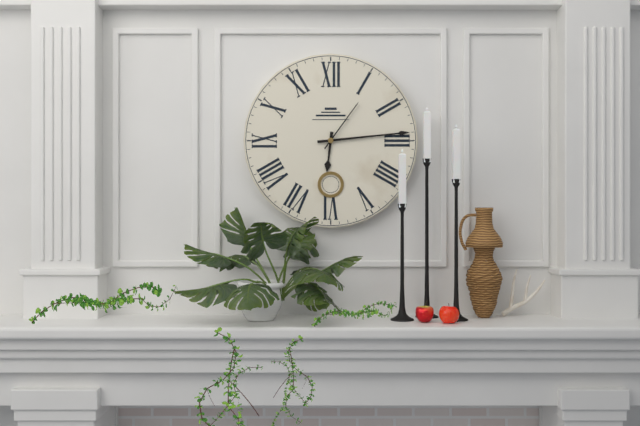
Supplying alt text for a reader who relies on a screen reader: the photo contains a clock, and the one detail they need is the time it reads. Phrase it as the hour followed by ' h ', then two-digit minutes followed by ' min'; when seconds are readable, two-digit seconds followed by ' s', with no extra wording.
6 h 14 min 06 s
